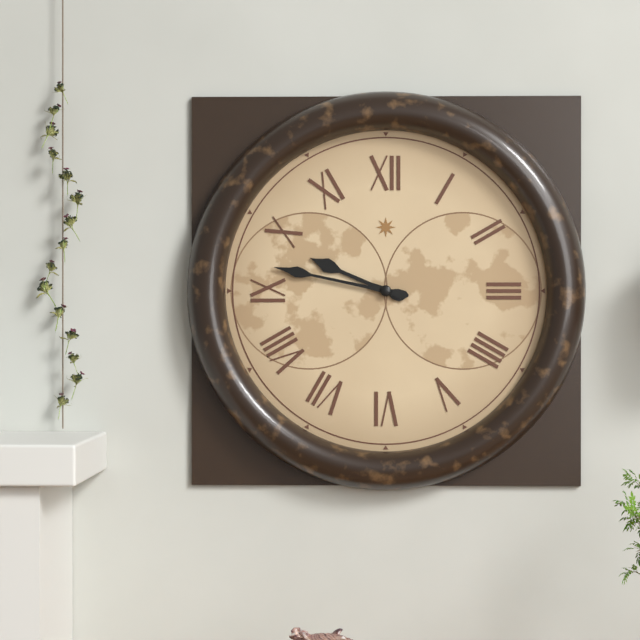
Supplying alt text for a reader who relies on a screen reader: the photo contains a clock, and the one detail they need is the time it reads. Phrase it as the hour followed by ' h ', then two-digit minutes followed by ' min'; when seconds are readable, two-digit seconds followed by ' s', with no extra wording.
9 h 47 min
